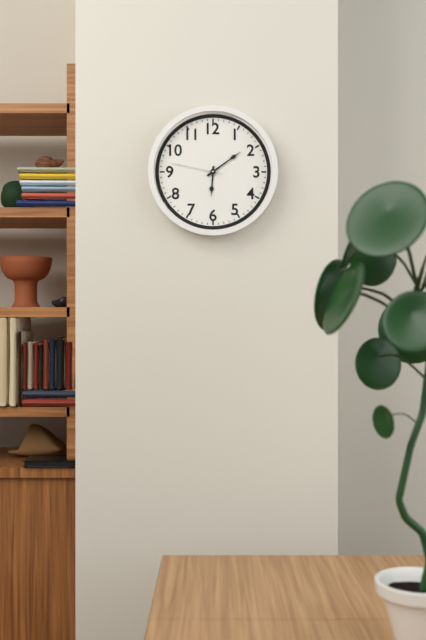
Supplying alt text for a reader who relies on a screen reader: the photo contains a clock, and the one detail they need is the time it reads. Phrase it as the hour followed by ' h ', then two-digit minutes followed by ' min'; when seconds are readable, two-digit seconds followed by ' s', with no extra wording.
6 h 09 min 47 s
